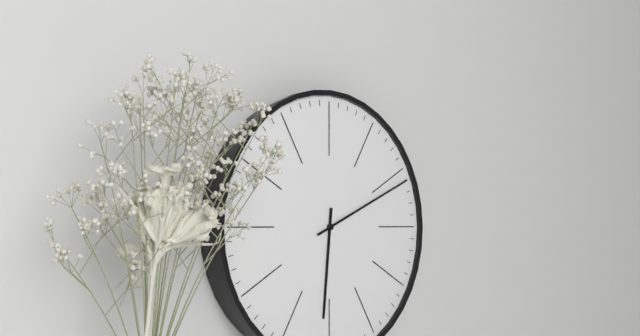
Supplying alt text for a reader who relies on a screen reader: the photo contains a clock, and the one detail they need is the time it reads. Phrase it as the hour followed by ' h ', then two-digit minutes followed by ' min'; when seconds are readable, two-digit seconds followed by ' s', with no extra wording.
6 h 11 min
